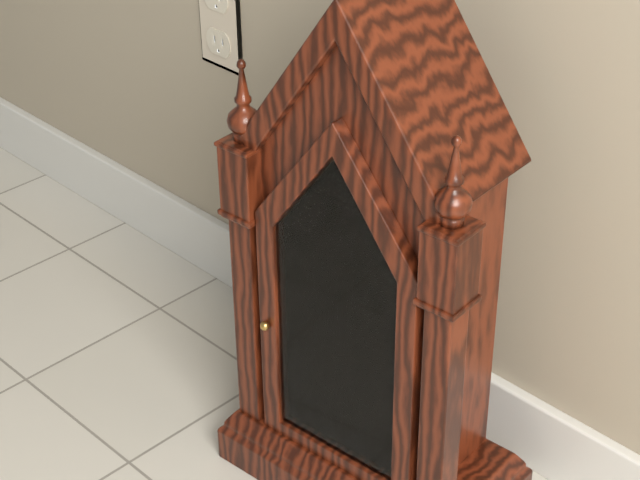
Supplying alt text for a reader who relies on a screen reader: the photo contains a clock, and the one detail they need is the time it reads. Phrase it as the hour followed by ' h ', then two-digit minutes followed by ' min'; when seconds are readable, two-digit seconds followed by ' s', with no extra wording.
11 h 24 min
